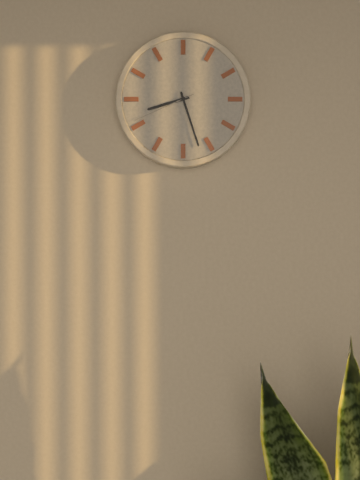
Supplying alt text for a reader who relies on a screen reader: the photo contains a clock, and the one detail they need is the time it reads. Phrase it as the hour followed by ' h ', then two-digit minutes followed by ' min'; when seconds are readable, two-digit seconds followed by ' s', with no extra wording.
8 h 27 min 41 s
